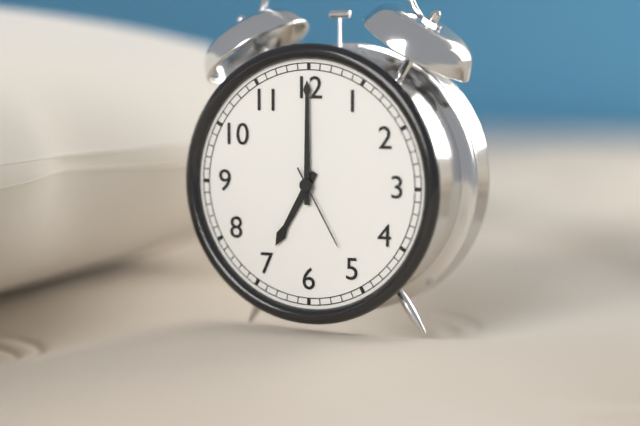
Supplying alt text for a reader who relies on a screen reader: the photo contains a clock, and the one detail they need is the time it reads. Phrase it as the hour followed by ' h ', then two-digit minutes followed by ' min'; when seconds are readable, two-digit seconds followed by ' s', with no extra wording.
7 h 00 min 25 s
